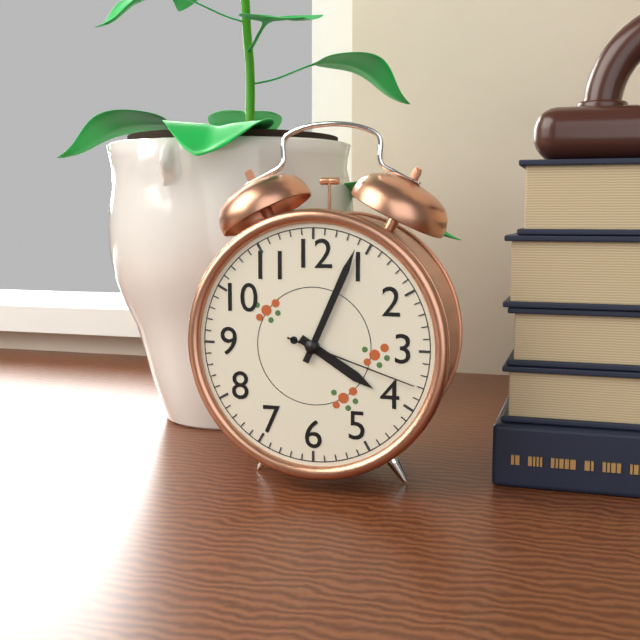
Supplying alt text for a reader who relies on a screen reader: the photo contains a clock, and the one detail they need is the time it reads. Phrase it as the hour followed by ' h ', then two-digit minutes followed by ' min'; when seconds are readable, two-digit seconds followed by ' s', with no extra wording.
4 h 04 min 18 s
